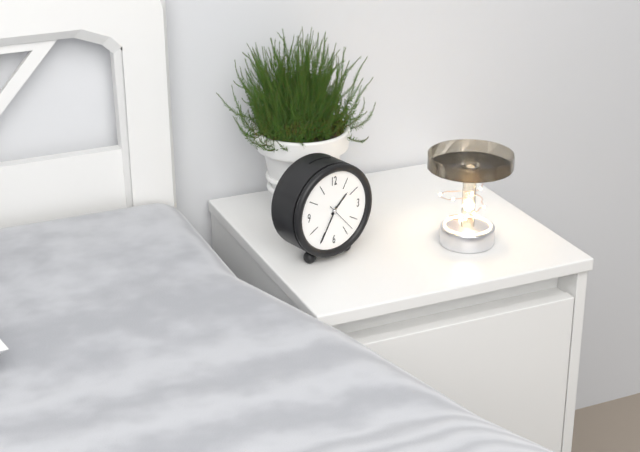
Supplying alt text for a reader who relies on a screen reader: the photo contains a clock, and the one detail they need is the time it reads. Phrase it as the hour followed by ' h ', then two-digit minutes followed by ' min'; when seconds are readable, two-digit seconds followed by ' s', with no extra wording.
1 h 35 min
